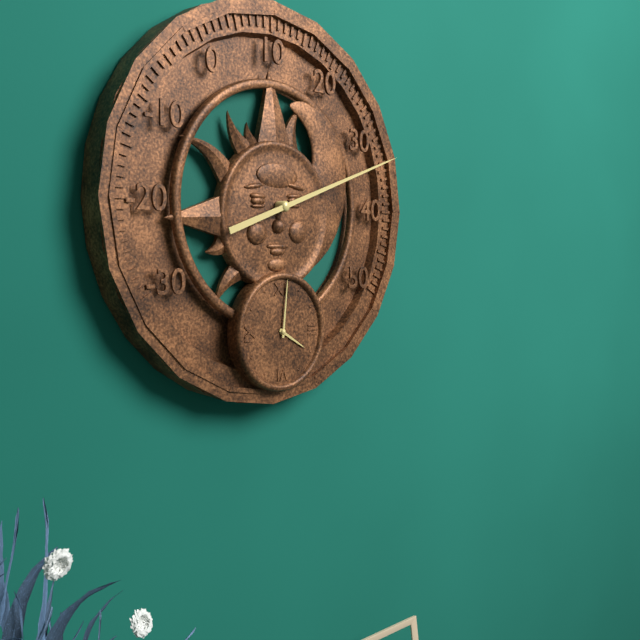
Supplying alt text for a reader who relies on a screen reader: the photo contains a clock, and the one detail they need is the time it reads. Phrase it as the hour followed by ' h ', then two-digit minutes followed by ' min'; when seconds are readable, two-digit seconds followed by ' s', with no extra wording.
4 h 01 min
